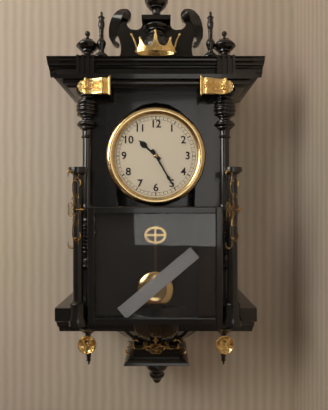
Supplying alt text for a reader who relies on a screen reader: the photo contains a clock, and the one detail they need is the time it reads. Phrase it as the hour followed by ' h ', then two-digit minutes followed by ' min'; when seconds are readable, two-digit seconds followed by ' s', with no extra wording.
10 h 25 min
